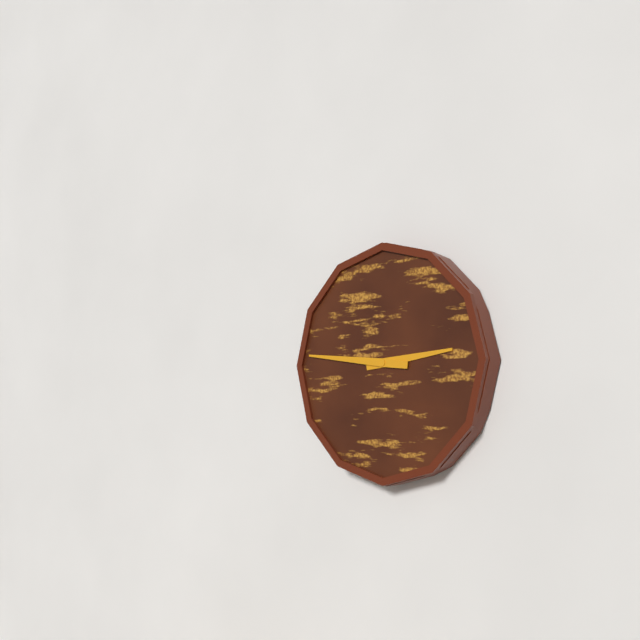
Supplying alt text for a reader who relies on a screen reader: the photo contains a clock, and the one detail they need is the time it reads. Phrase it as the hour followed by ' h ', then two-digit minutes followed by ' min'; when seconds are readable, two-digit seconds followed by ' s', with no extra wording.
2 h 46 min
